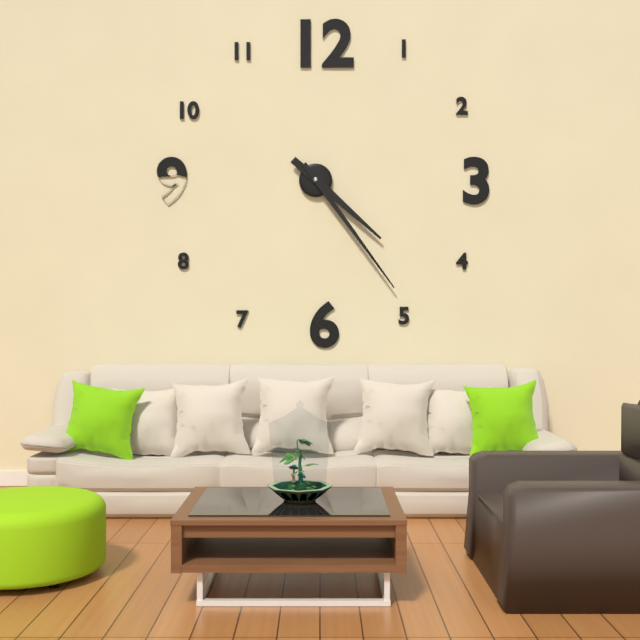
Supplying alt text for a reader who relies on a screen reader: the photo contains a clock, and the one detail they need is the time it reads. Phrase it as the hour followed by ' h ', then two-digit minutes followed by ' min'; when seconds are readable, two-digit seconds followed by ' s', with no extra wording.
4 h 24 min
